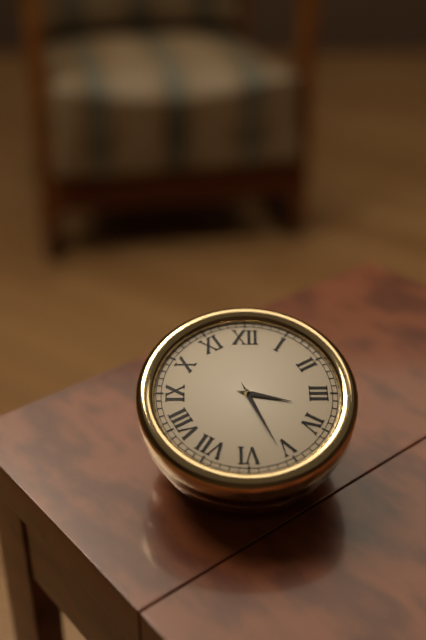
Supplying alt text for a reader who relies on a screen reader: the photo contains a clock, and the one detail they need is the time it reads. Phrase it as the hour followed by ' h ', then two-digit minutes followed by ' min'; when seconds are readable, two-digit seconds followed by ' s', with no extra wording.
3 h 26 min
